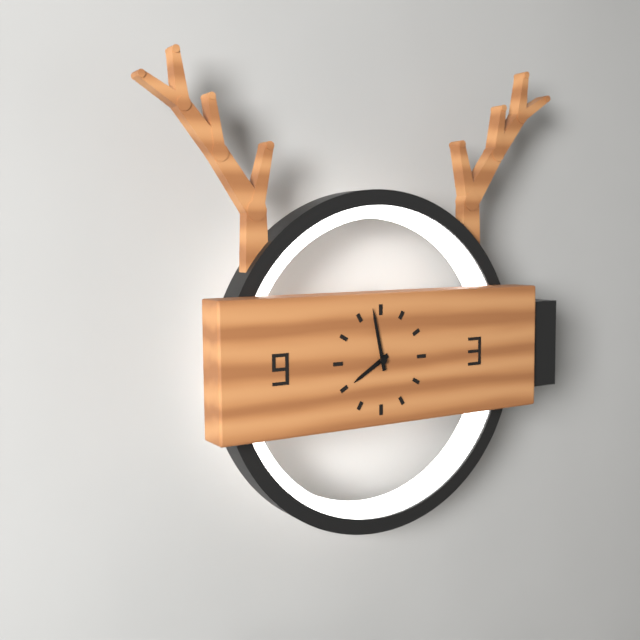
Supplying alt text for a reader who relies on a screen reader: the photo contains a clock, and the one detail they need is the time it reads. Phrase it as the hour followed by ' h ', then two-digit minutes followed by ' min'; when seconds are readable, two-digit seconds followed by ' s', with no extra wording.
7 h 58 min
